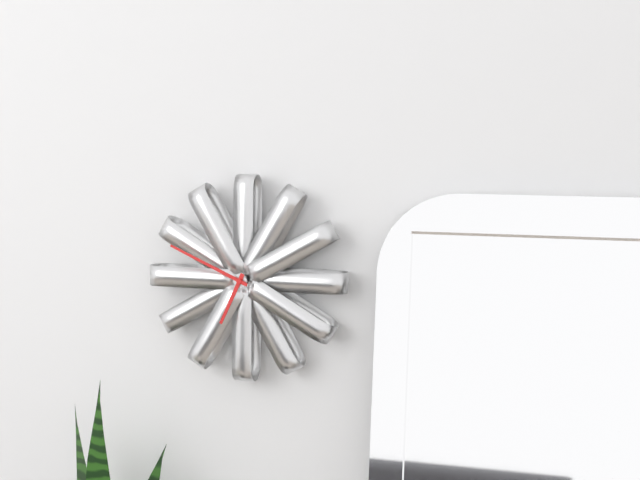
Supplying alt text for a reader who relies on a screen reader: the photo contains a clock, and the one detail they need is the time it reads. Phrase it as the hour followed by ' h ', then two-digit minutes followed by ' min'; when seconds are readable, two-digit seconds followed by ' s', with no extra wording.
6 h 49 min
